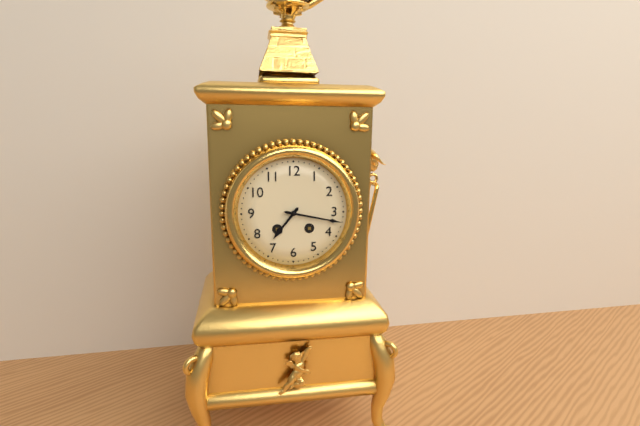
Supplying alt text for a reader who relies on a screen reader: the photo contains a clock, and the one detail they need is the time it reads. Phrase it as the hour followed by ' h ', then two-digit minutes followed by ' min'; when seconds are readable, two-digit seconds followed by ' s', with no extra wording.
7 h 17 min
